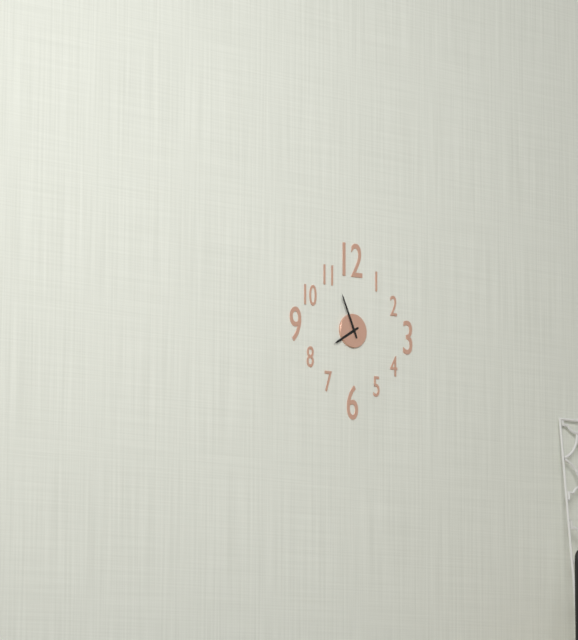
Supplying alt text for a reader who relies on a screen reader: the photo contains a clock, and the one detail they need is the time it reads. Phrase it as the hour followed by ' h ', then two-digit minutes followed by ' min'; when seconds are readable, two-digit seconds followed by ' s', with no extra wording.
7 h 56 min
